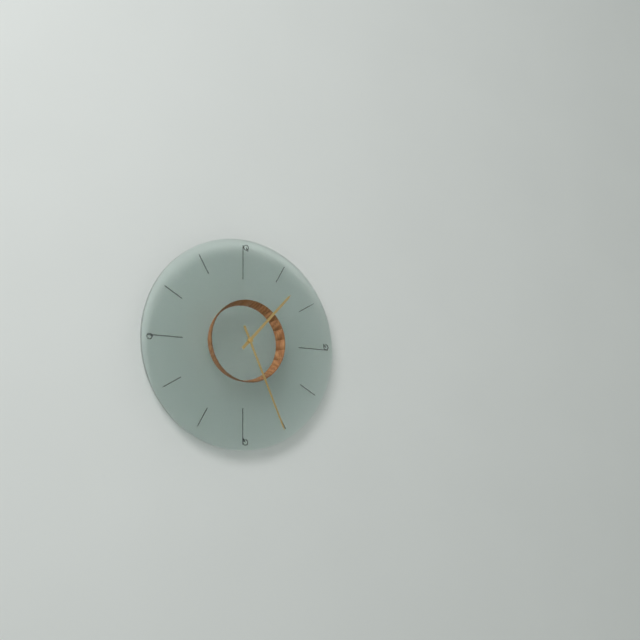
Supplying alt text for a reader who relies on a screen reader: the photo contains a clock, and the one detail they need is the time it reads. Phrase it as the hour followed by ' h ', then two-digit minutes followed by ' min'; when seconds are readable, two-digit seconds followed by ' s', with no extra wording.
1 h 26 min
